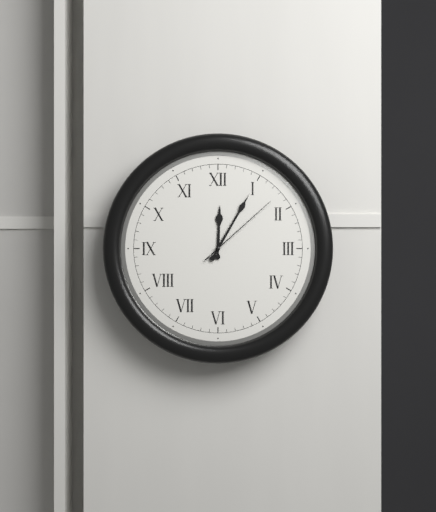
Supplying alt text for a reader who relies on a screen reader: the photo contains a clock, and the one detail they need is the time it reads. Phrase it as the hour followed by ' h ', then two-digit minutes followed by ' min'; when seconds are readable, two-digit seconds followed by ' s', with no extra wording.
12 h 05 min 08 s
